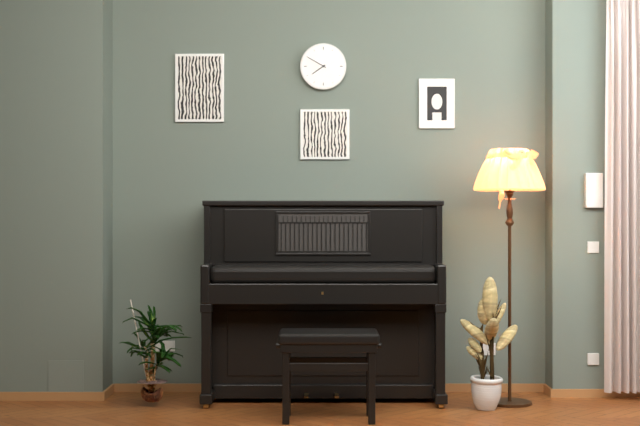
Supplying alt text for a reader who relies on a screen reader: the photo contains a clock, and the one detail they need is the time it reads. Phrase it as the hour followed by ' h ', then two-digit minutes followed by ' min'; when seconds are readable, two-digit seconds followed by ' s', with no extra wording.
7 h 50 min
